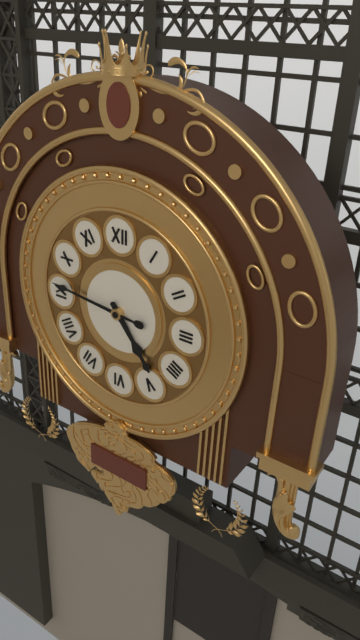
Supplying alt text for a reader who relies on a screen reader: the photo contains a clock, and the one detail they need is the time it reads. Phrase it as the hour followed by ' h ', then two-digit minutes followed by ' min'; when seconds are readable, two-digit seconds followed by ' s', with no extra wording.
4 h 46 min
